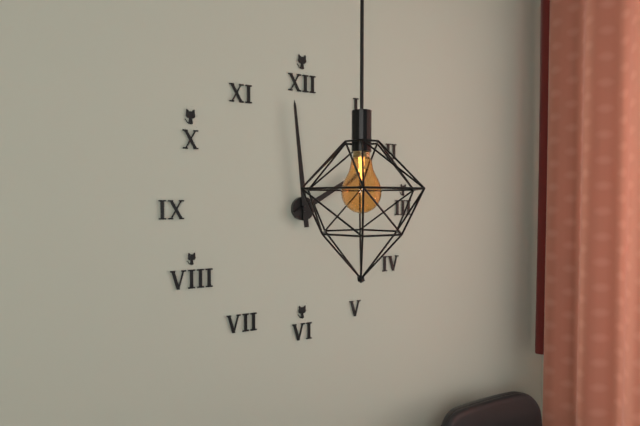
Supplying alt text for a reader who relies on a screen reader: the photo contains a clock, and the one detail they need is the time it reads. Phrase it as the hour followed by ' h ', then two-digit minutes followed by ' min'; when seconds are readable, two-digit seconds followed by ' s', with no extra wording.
1 h 59 min
